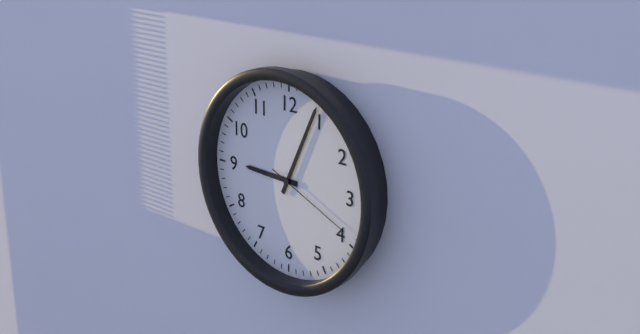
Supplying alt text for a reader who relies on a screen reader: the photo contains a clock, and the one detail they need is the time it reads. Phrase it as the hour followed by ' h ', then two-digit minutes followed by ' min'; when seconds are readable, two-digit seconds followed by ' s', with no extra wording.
9 h 04 min 19 s
